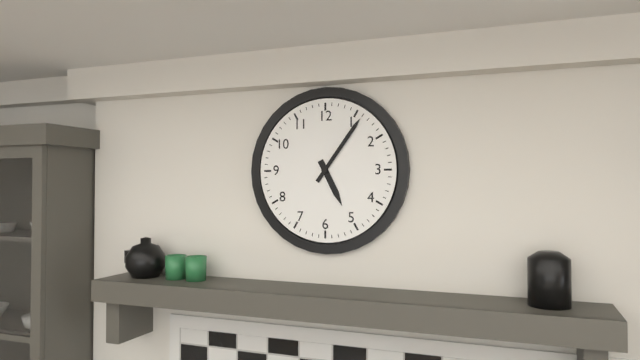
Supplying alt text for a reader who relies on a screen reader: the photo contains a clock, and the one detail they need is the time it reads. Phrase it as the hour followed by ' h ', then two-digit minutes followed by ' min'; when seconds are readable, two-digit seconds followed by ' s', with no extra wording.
5 h 06 min
